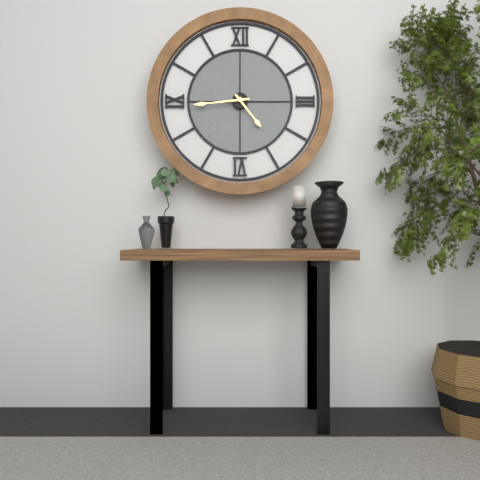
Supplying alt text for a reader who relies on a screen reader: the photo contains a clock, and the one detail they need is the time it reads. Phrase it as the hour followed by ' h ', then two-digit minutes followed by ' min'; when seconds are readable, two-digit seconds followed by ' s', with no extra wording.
4 h 44 min
